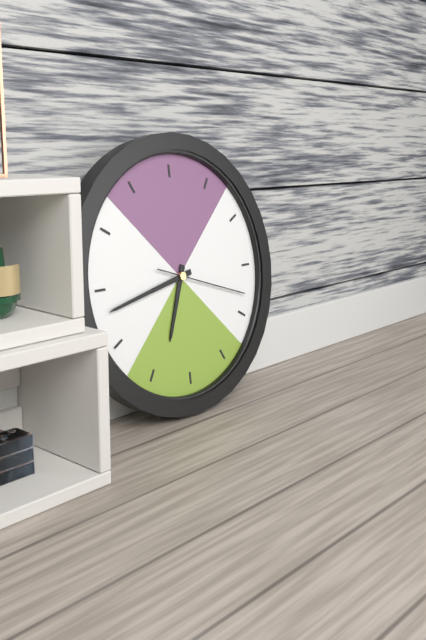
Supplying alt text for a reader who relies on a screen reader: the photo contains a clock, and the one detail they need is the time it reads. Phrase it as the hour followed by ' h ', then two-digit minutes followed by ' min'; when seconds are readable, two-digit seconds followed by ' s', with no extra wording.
6 h 43 min 18 s
